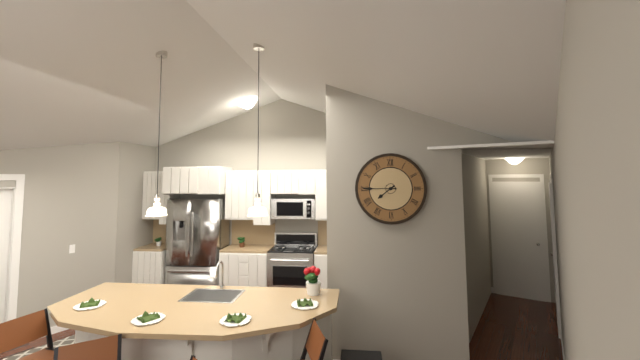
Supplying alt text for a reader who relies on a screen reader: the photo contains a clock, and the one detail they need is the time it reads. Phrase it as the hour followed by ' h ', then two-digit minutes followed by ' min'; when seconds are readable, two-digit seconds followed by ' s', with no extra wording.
7 h 45 min
